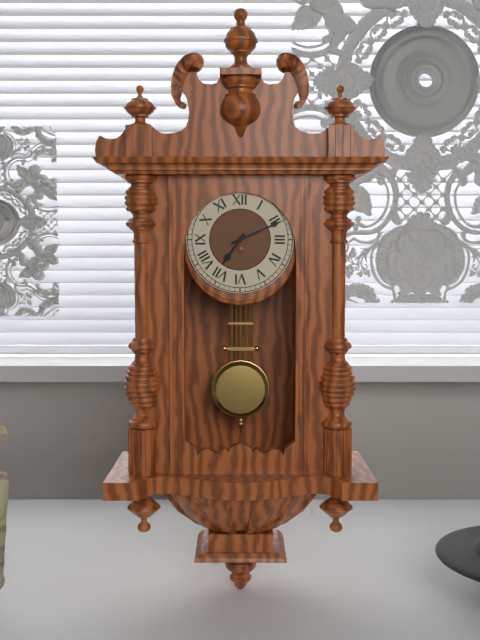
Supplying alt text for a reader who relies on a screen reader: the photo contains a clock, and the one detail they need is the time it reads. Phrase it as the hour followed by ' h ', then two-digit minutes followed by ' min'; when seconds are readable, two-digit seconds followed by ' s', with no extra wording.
7 h 11 min
